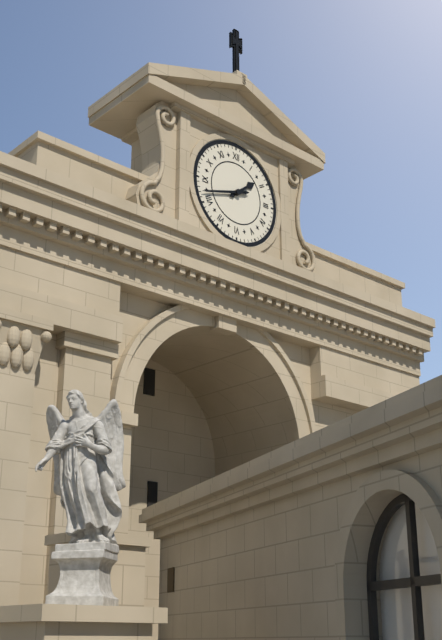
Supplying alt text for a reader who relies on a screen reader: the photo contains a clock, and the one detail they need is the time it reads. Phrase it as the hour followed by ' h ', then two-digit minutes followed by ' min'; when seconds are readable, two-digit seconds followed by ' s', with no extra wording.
1 h 42 min
